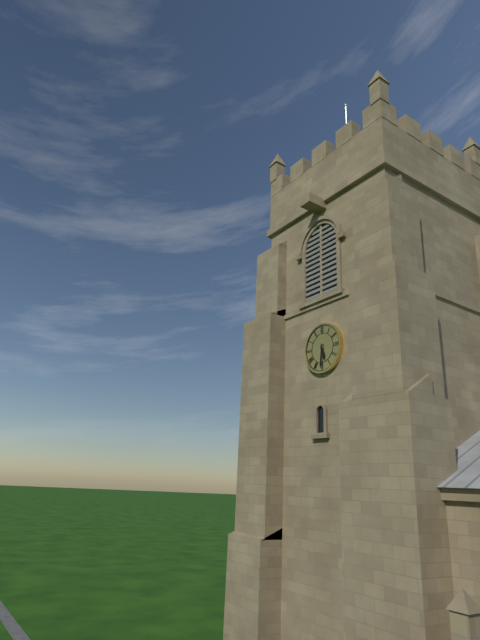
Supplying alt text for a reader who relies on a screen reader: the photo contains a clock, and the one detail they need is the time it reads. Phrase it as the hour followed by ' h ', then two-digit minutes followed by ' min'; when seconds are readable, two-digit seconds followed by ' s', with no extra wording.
5 h 31 min
